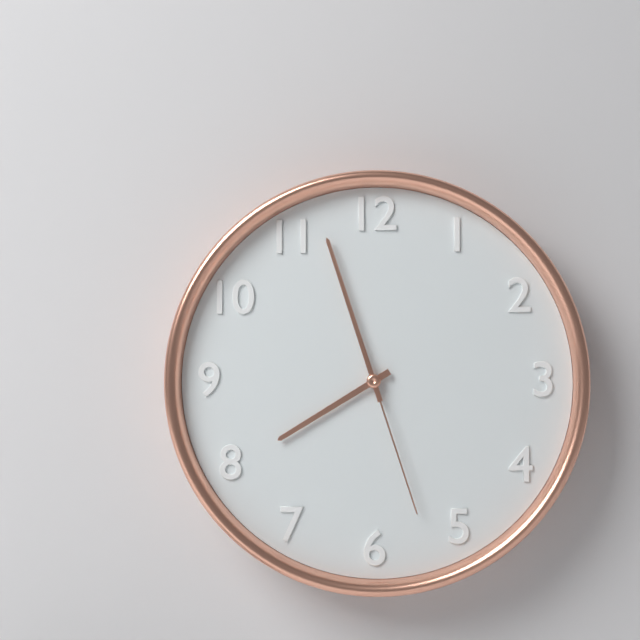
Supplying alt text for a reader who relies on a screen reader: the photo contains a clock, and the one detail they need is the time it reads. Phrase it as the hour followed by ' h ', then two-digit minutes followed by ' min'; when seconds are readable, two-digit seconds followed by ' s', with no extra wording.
7 h 57 min 27 s
